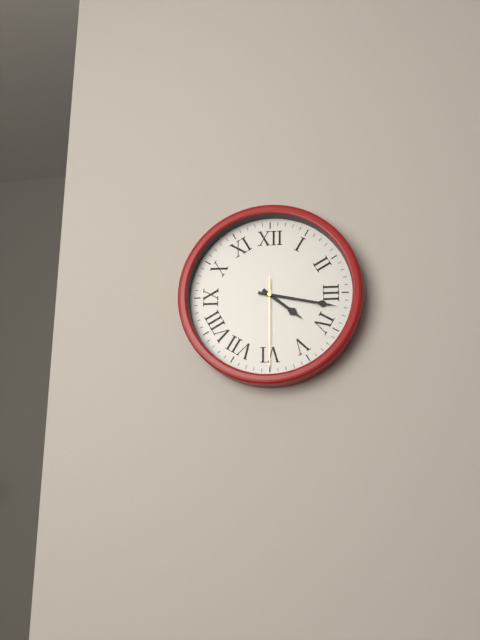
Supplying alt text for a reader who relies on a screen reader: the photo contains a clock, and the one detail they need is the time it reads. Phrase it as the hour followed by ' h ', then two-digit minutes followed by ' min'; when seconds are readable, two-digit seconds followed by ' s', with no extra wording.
4 h 17 min 30 s
